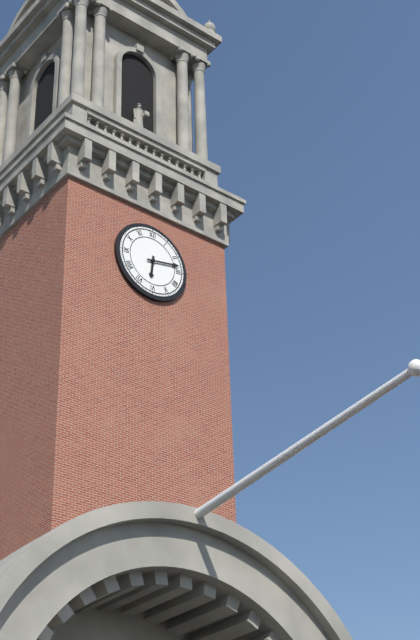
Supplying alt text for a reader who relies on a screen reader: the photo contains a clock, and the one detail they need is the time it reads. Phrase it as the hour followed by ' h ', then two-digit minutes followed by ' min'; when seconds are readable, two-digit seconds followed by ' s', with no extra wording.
6 h 13 min
